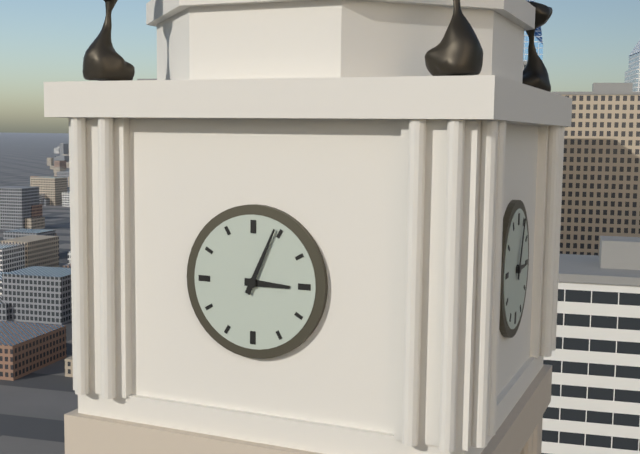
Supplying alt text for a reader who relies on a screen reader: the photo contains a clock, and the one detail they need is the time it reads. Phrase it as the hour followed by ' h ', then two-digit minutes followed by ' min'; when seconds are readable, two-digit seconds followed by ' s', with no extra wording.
3 h 04 min
